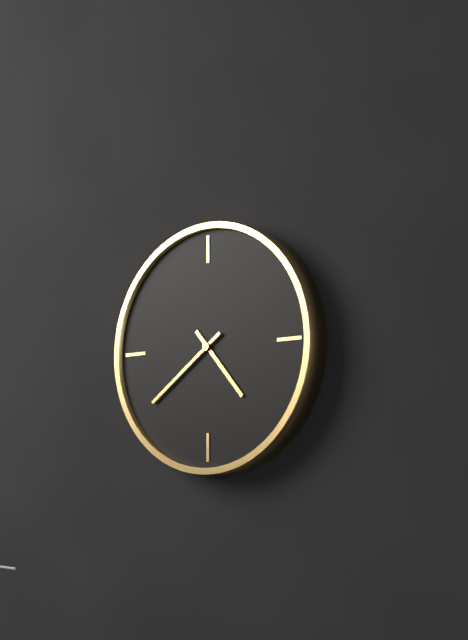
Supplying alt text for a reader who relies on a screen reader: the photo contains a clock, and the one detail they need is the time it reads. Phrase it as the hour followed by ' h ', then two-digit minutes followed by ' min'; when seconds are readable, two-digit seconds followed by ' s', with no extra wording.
4 h 39 min
